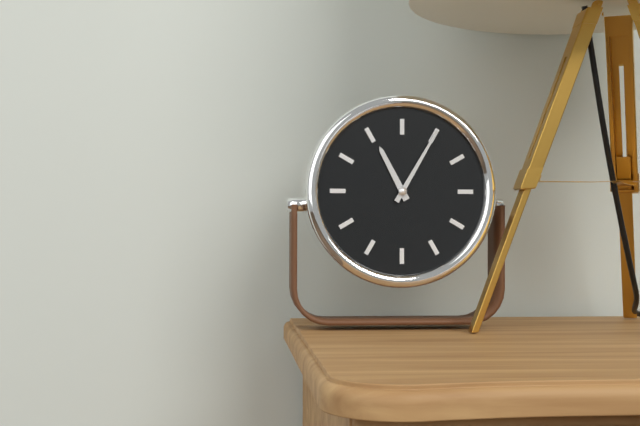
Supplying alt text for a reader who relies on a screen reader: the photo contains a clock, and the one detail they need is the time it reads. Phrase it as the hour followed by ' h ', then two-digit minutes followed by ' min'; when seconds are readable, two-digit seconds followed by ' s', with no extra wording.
11 h 05 min
